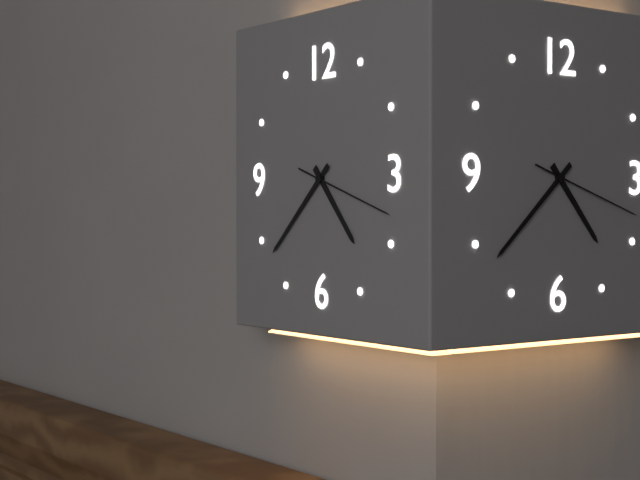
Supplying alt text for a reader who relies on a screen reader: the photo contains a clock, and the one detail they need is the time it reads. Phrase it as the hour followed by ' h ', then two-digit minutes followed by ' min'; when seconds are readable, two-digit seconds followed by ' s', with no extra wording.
4 h 38 min 18 s
